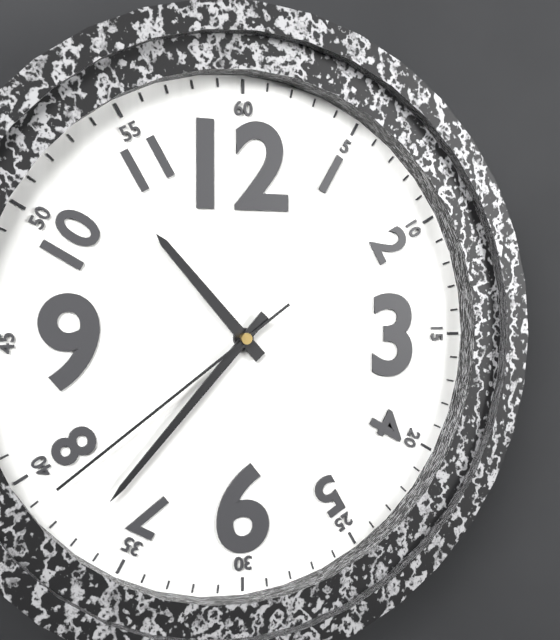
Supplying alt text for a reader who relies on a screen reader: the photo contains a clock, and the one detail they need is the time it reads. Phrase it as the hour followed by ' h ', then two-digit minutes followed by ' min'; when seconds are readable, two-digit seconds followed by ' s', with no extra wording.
10 h 37 min 39 s
